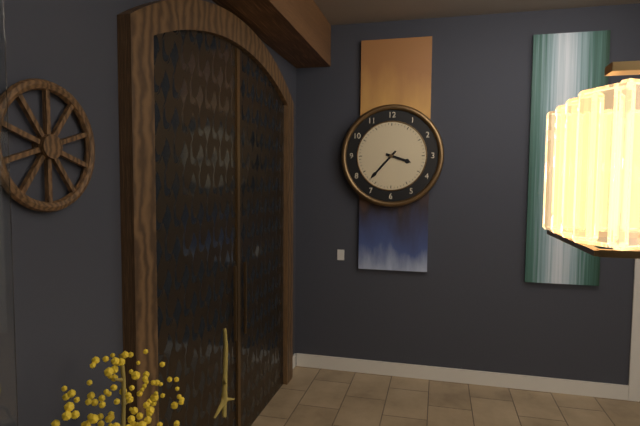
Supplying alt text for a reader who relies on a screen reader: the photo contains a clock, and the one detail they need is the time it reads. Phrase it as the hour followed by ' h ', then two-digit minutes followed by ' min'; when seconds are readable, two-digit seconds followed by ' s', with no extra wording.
3 h 37 min
